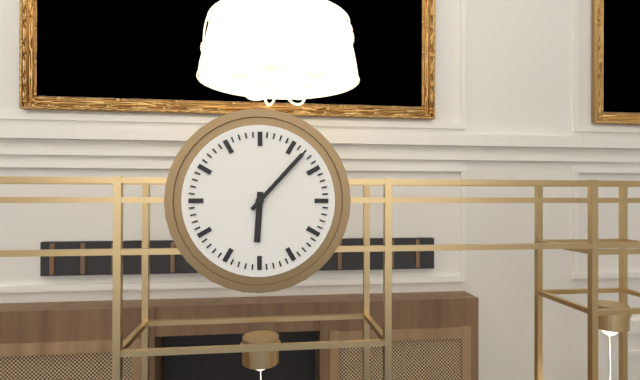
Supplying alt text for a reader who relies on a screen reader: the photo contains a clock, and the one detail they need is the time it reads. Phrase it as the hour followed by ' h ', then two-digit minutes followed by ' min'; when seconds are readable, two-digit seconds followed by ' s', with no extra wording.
6 h 07 min
